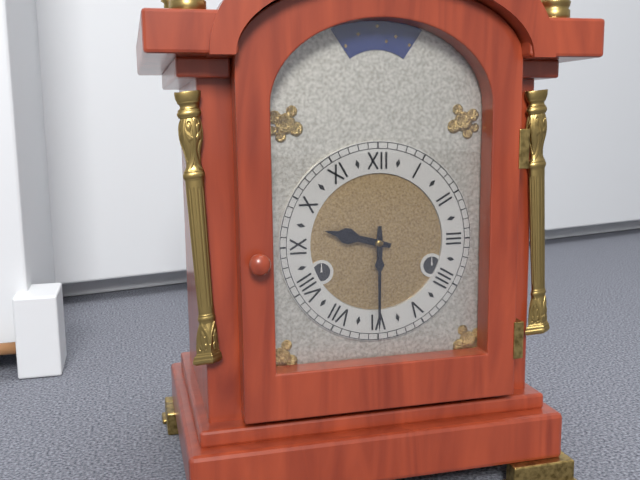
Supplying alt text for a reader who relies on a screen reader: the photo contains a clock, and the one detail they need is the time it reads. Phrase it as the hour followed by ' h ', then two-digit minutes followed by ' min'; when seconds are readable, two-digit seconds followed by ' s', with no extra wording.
9 h 30 min
